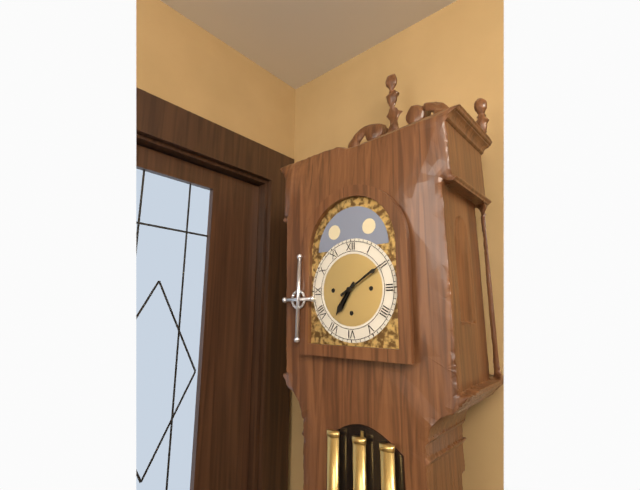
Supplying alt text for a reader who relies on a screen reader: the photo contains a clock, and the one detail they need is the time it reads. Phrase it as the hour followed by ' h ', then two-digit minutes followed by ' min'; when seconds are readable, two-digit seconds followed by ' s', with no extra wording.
7 h 10 min
